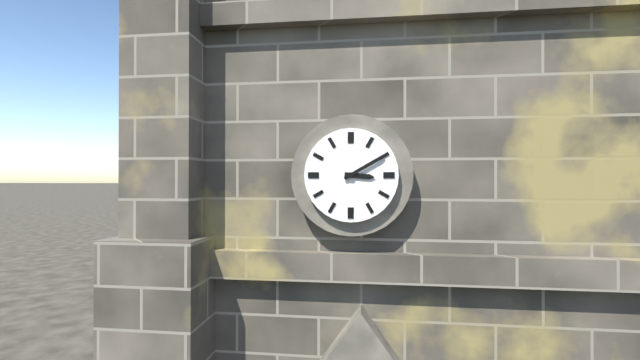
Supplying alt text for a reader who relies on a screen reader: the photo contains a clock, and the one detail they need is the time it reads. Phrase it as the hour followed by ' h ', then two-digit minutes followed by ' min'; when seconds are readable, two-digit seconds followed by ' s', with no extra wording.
3 h 10 min
